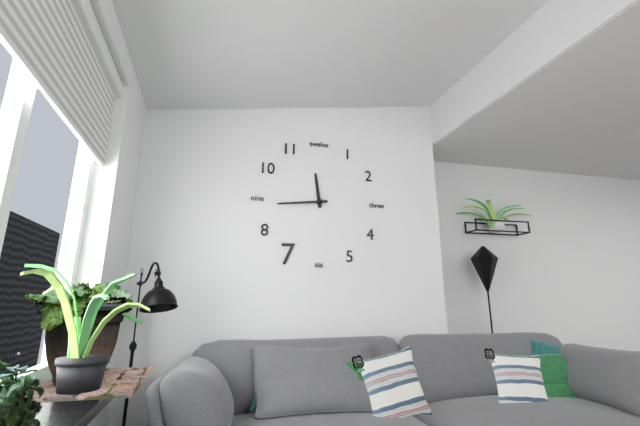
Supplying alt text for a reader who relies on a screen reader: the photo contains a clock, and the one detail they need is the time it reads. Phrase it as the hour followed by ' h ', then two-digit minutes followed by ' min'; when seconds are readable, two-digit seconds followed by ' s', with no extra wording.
11 h 44 min
